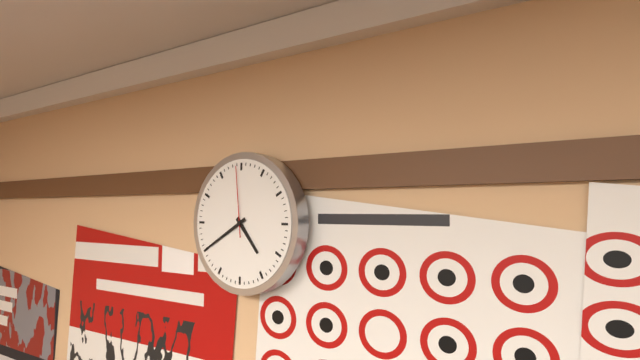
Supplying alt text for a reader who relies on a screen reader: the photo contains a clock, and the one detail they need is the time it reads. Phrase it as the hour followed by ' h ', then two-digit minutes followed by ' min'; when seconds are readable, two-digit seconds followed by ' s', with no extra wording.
4 h 40 min 59 s
